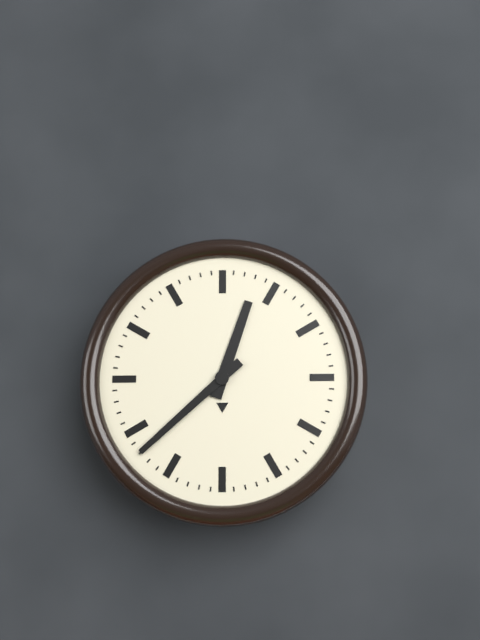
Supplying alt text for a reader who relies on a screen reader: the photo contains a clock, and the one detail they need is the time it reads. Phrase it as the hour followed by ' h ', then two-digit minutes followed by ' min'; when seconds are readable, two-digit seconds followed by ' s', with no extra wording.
12 h 38 min
